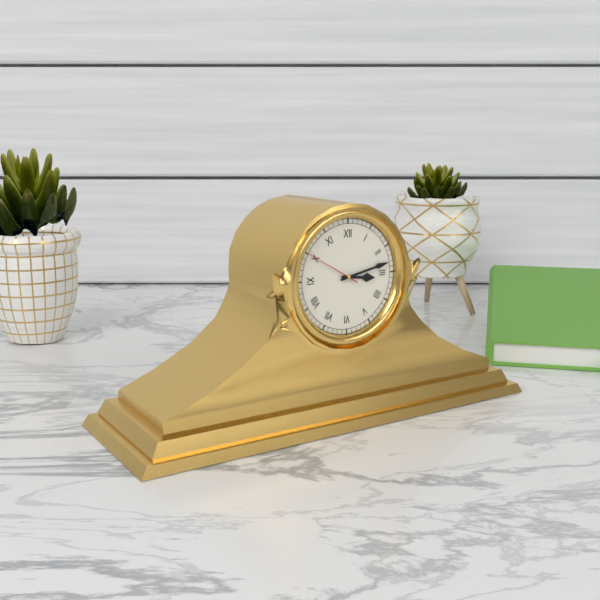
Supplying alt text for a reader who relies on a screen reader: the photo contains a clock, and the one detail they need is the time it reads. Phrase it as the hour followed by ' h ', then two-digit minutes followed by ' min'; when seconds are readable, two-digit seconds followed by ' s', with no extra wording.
3 h 13 min 50 s
